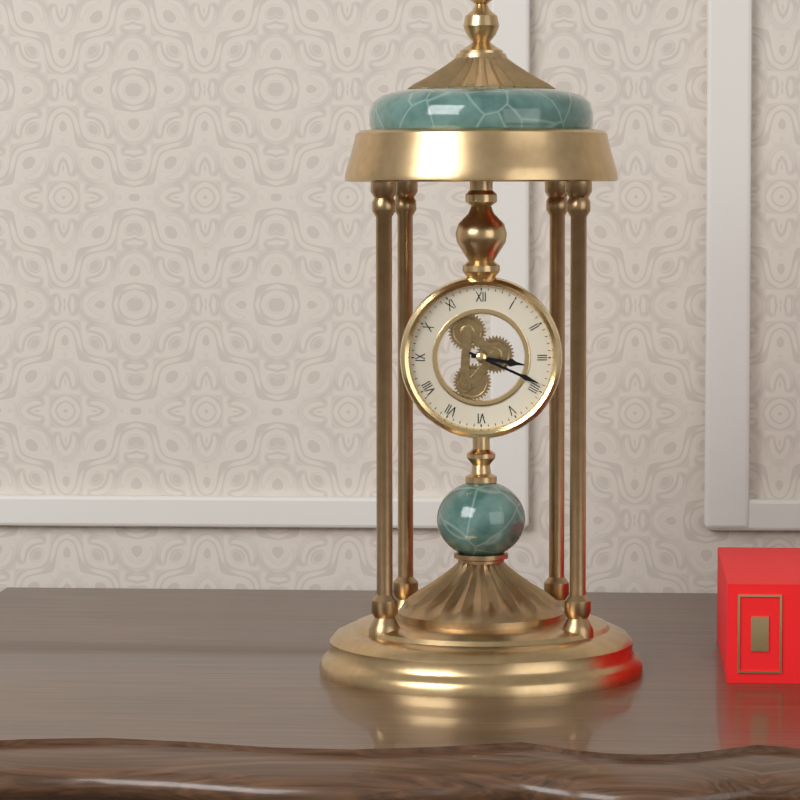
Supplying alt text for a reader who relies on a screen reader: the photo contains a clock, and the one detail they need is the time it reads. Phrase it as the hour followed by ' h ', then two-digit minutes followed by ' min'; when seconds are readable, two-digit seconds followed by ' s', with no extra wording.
3 h 19 min
